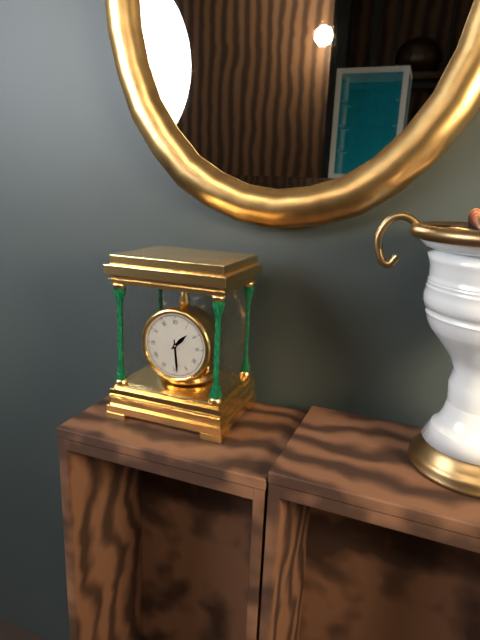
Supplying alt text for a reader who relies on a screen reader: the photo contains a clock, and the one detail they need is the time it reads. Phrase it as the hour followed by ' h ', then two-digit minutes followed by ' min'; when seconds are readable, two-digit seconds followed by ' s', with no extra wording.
1 h 29 min
